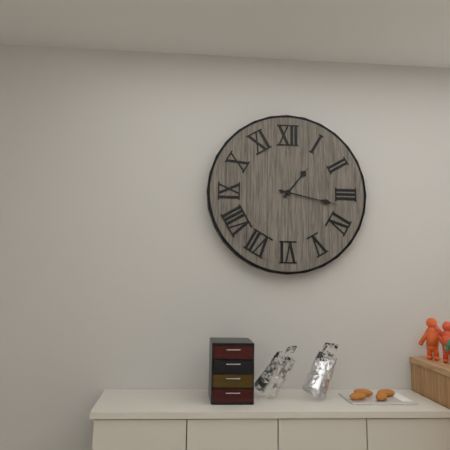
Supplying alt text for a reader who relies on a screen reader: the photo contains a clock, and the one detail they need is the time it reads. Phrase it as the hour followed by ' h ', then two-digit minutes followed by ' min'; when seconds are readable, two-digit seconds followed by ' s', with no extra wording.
1 h 17 min
